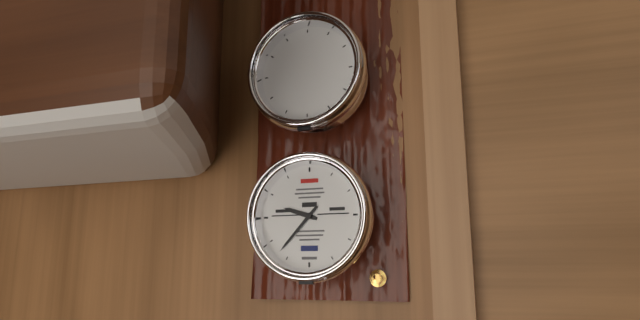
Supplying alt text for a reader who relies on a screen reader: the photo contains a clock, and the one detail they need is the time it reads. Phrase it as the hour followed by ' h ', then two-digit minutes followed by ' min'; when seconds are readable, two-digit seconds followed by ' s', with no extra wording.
9 h 37 min
